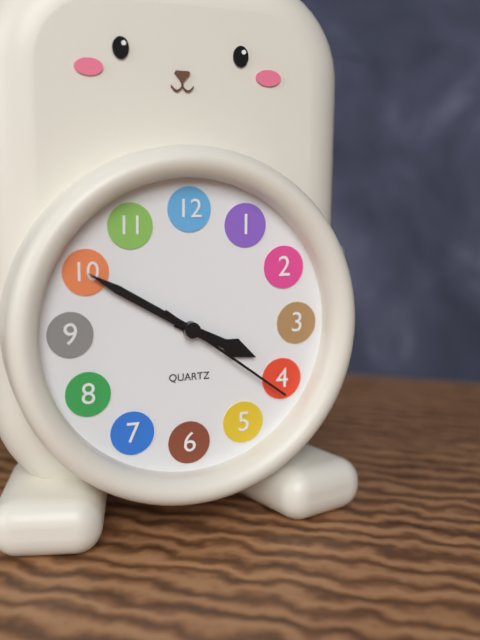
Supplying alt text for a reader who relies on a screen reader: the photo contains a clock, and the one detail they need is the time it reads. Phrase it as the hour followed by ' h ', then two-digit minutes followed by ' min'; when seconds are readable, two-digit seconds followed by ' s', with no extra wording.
3 h 50 min 21 s
